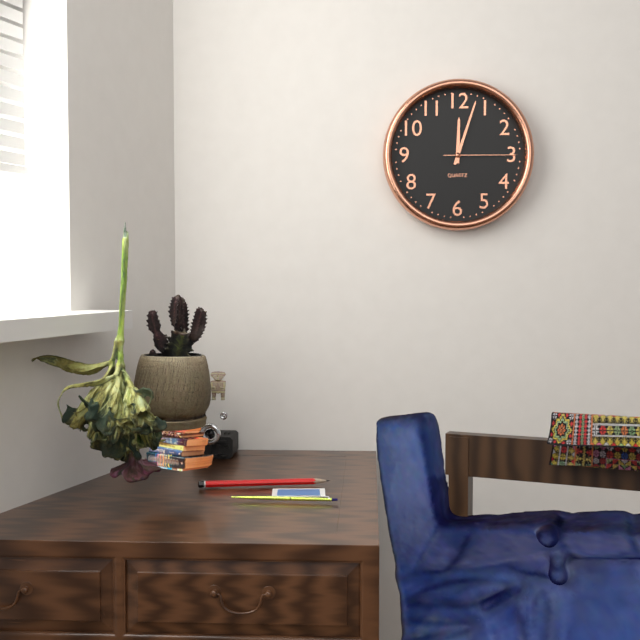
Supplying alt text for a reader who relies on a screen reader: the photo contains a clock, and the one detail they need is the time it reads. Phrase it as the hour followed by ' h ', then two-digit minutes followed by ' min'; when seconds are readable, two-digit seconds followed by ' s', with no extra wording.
12 h 03 min 15 s
